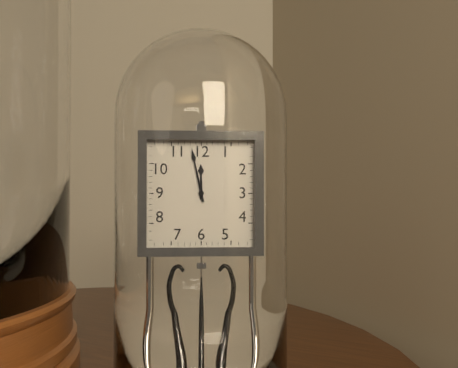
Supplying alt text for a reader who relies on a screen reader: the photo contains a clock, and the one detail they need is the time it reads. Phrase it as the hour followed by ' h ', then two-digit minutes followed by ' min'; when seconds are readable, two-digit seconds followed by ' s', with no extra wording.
11 h 58 min
